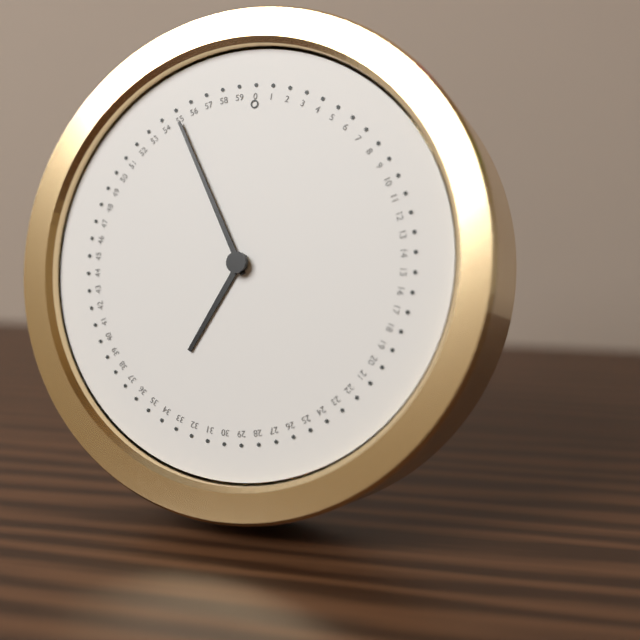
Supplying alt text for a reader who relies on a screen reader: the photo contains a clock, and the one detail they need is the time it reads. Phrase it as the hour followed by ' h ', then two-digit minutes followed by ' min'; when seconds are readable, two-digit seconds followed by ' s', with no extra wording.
6 h 55 min
